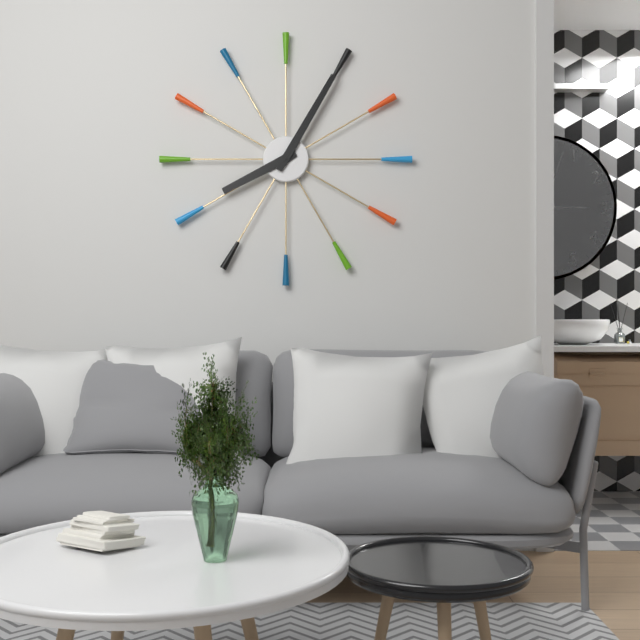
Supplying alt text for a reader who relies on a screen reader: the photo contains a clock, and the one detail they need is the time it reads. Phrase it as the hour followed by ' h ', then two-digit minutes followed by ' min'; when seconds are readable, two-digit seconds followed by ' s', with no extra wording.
8 h 05 min
